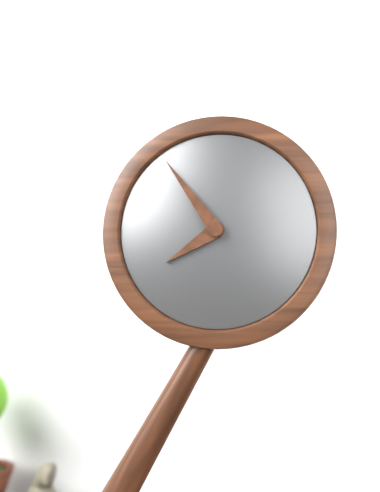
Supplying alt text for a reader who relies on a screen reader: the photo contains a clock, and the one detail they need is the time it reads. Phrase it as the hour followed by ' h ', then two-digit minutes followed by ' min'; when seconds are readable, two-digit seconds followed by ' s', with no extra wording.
7 h 54 min
